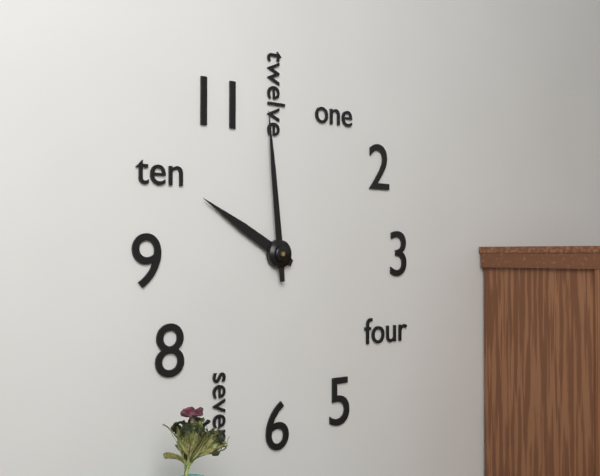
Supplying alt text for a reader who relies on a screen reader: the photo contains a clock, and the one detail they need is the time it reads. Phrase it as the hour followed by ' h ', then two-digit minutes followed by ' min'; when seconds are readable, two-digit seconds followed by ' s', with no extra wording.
9 h 59 min
